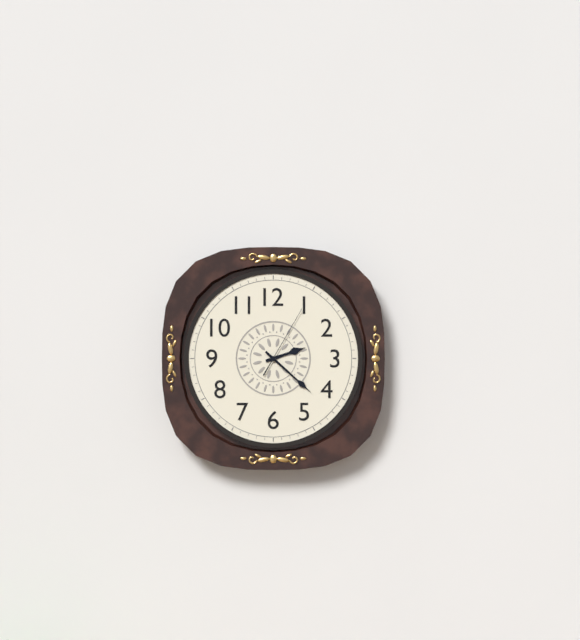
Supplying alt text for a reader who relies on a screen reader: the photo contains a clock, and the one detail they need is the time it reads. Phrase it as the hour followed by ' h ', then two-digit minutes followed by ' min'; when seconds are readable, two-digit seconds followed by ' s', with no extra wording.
2 h 22 min 05 s
